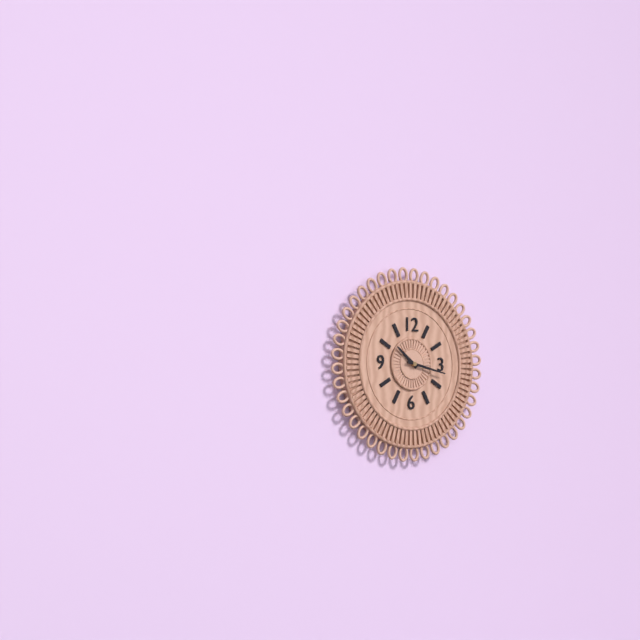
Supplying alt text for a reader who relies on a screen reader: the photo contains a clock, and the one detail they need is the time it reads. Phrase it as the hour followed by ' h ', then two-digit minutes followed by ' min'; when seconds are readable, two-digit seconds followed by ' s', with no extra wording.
10 h 17 min
